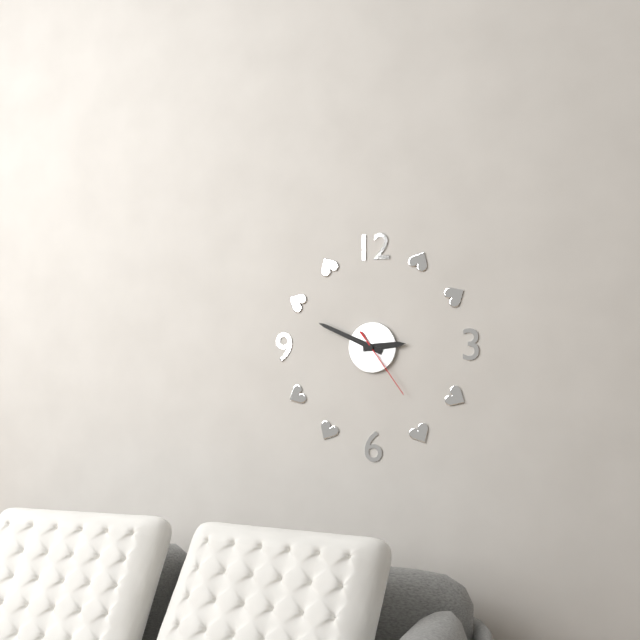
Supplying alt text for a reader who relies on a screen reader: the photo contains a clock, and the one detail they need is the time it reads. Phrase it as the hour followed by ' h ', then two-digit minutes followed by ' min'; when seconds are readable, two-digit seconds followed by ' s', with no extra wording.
2 h 49 min 24 s
